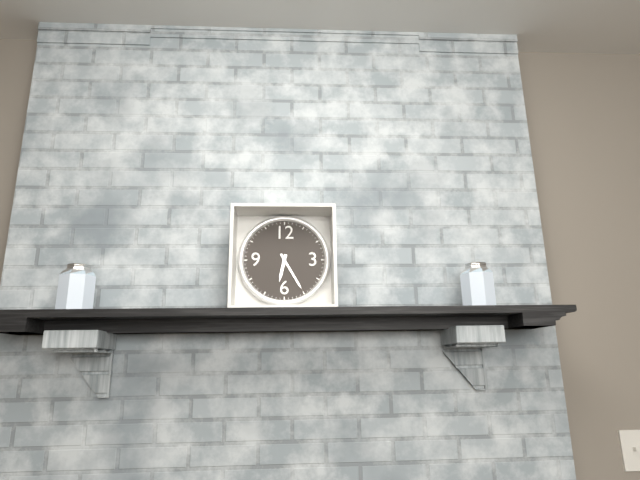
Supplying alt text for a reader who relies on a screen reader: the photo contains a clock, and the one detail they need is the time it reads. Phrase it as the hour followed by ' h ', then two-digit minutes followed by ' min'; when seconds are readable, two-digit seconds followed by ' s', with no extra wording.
6 h 25 min
